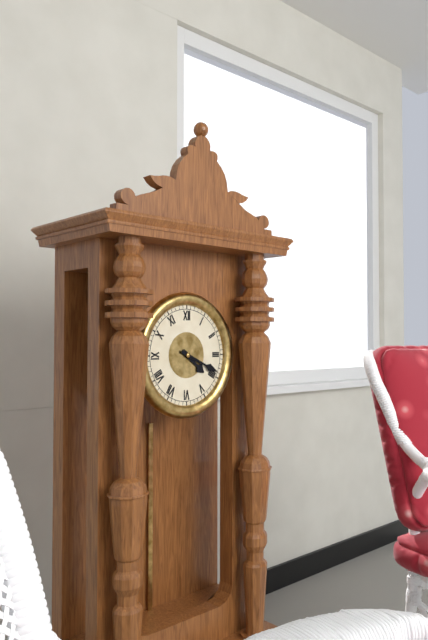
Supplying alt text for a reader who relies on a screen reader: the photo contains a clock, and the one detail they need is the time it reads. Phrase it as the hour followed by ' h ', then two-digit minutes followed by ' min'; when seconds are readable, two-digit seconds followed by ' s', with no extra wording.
4 h 19 min
